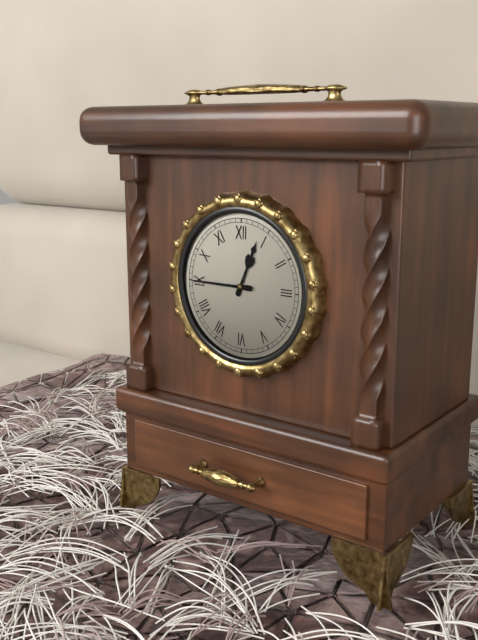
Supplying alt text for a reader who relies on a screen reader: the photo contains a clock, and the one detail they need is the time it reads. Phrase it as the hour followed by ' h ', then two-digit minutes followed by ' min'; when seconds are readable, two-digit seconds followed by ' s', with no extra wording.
12 h 45 min
